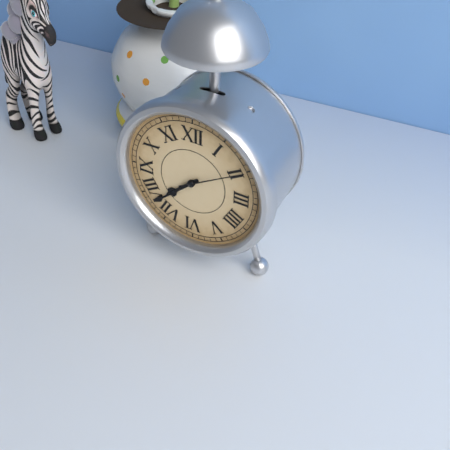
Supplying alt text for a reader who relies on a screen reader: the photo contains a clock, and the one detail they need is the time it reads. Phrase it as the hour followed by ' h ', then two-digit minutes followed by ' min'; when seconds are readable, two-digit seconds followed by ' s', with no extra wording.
7 h 38 min 10 s
